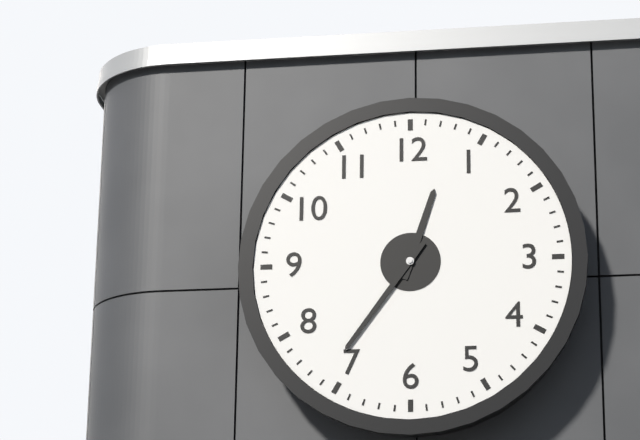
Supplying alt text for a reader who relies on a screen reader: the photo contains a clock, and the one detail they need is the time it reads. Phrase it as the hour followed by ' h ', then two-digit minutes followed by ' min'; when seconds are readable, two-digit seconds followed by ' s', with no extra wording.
12 h 36 min
